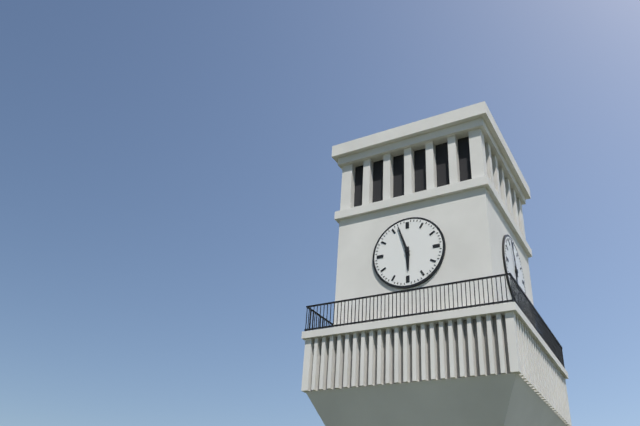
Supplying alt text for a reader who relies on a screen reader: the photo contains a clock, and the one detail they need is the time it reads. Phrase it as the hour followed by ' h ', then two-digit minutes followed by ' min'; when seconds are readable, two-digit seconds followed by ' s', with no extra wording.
5 h 57 min
